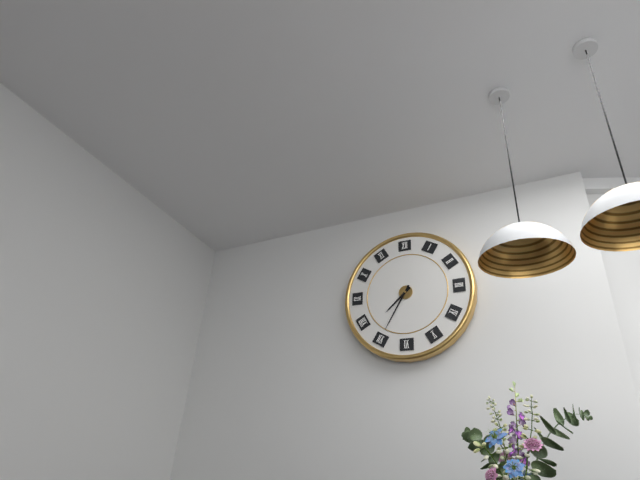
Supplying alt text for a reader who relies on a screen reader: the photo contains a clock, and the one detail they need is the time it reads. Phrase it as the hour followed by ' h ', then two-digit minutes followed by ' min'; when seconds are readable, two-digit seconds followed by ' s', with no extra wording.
7 h 35 min
